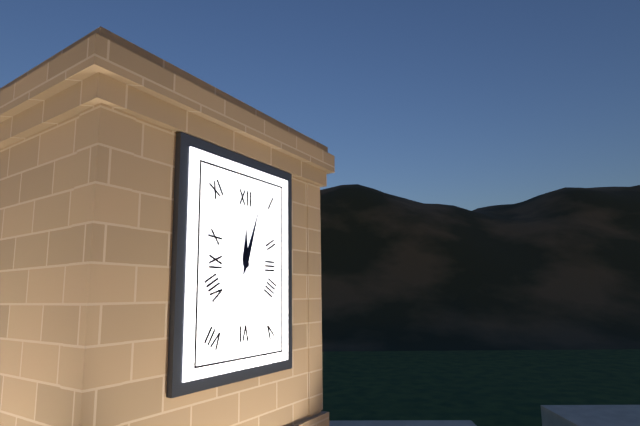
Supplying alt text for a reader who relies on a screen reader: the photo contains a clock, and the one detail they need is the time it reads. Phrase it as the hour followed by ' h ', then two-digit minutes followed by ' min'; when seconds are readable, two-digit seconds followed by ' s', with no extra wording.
12 h 03 min
